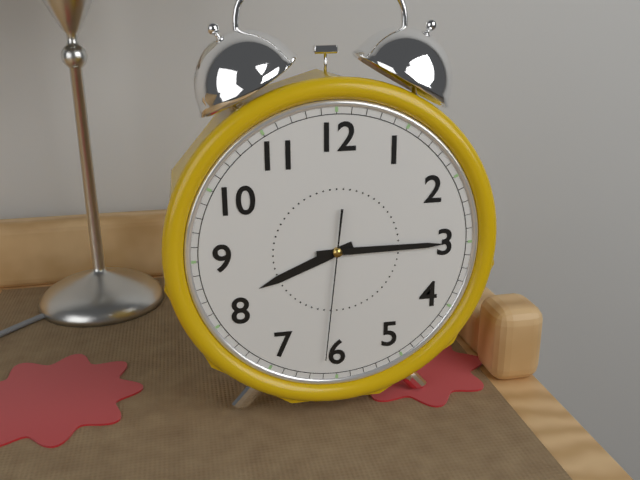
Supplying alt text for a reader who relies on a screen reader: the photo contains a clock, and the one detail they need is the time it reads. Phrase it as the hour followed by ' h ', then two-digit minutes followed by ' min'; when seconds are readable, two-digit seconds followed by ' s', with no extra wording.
8 h 15 min 31 s
